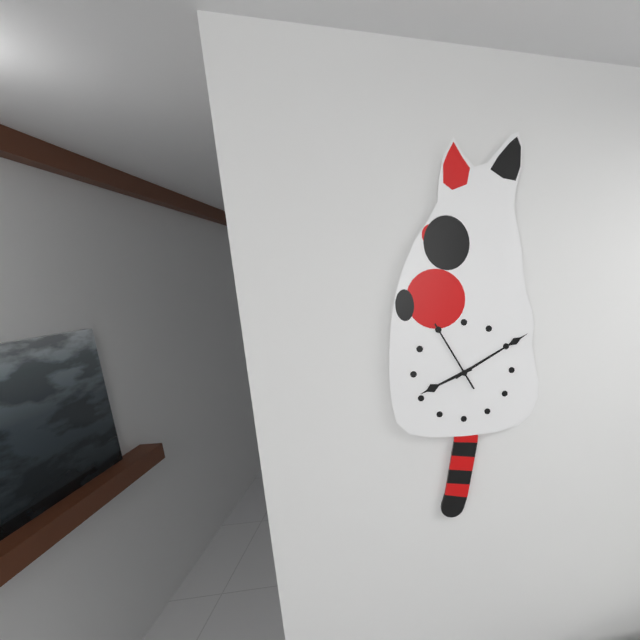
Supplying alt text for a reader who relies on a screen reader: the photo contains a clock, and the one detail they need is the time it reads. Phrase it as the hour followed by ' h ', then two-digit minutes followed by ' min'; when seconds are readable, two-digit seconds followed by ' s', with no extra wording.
8 h 10 min 55 s
